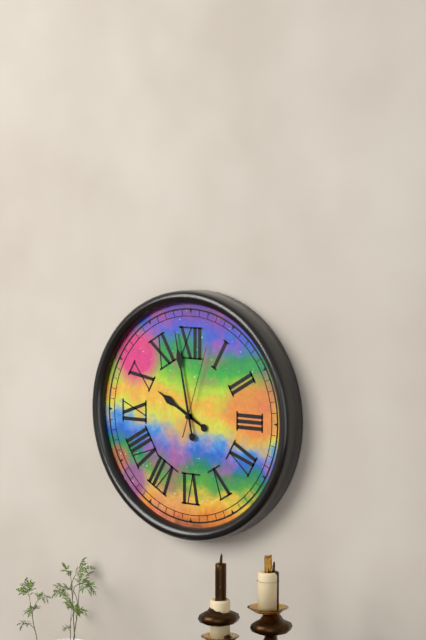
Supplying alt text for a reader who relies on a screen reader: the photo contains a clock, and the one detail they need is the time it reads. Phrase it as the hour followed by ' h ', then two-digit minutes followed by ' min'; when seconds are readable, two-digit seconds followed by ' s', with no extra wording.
9 h 58 min 03 s
